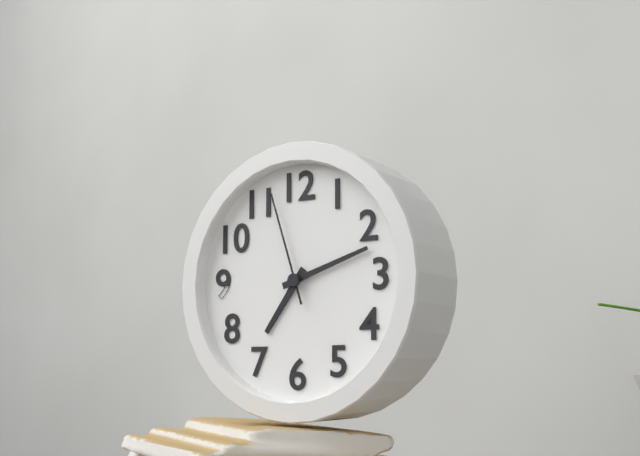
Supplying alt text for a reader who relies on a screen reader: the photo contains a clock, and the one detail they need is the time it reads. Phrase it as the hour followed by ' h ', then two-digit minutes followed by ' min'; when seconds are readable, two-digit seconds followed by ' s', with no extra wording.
7 h 12 min 57 s
